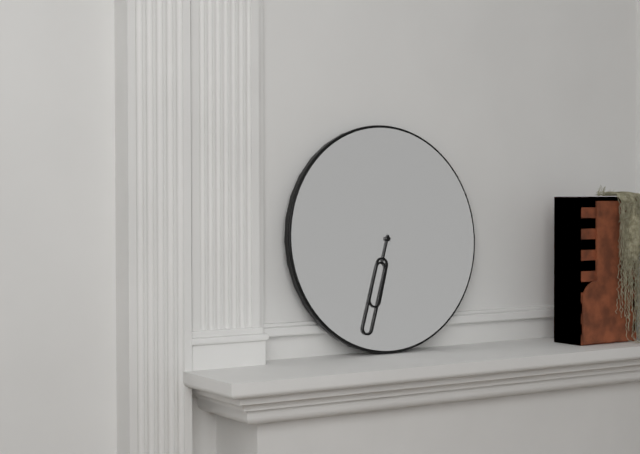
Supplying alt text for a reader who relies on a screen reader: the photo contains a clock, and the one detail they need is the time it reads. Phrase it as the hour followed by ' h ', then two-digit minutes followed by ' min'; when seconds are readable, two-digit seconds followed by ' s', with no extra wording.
6 h 33 min
